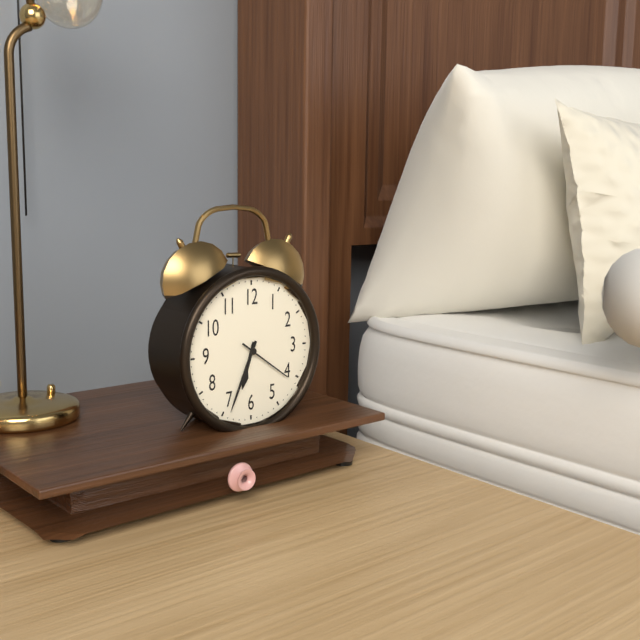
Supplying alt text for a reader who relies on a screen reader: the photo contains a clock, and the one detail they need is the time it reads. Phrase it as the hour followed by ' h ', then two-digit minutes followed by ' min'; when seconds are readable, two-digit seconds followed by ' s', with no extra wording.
6 h 34 min 21 s
